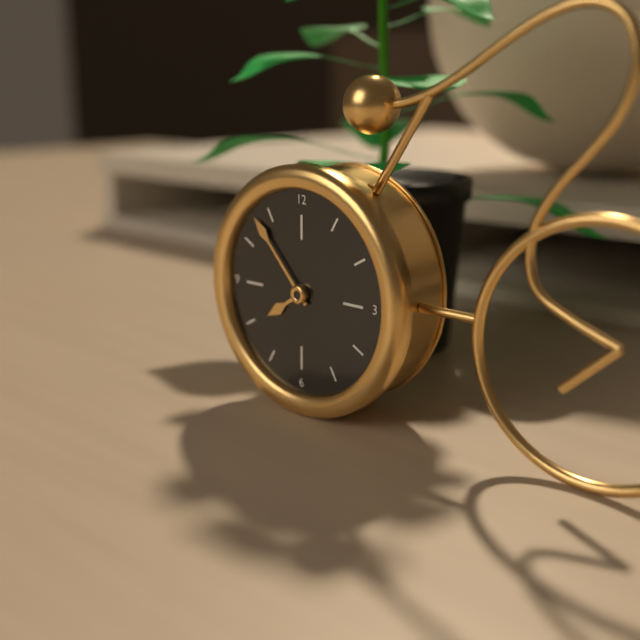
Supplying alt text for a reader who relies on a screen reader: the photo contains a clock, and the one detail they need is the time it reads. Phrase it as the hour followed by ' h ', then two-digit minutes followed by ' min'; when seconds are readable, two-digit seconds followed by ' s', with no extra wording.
7 h 53 min
